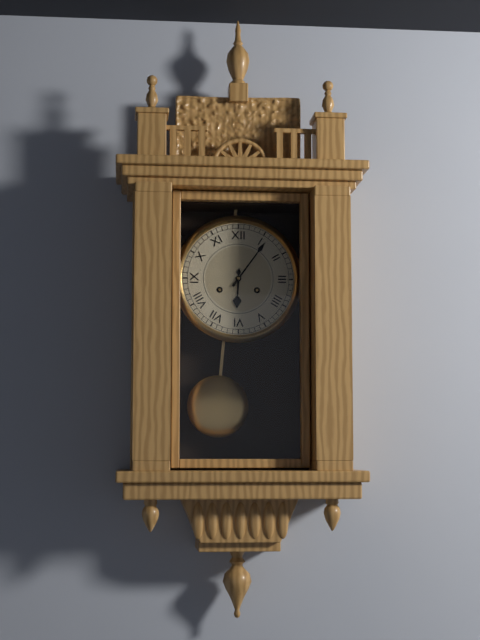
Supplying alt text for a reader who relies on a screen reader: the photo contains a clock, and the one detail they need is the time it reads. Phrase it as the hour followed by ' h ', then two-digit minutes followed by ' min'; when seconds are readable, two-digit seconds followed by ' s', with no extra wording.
6 h 06 min
